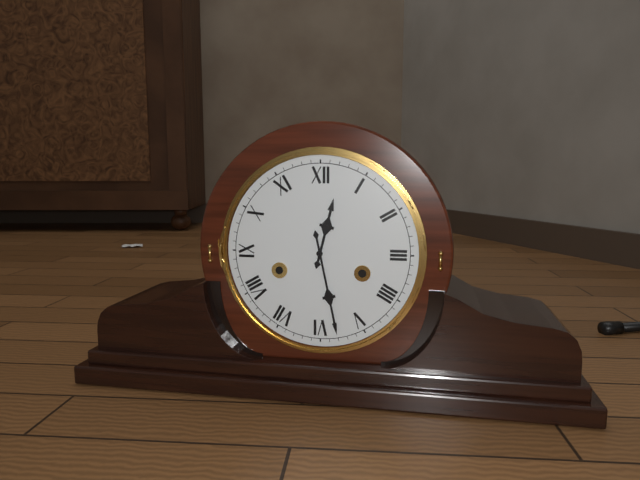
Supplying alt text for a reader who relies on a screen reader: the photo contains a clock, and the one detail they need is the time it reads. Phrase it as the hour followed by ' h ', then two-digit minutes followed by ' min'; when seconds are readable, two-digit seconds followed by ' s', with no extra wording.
12 h 28 min
